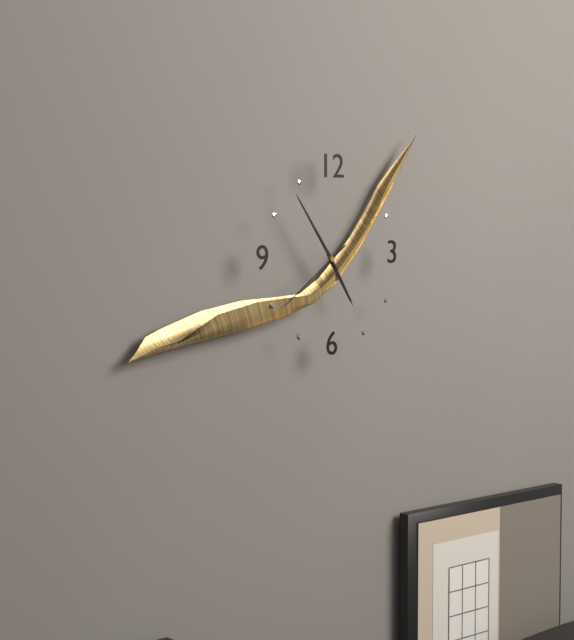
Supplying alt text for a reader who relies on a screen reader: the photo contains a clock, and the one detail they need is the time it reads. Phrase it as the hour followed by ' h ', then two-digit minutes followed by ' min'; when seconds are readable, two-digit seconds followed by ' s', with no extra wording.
4 h 54 min 39 s
